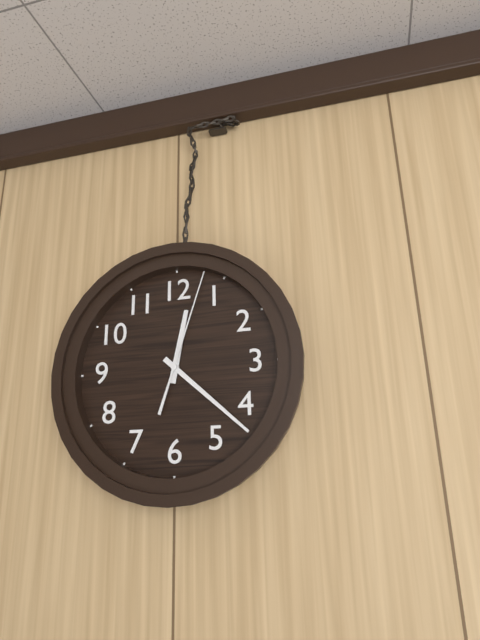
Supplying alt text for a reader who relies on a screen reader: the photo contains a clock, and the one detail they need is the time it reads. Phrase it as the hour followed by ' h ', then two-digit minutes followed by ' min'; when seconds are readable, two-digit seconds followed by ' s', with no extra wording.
12 h 22 min 03 s
